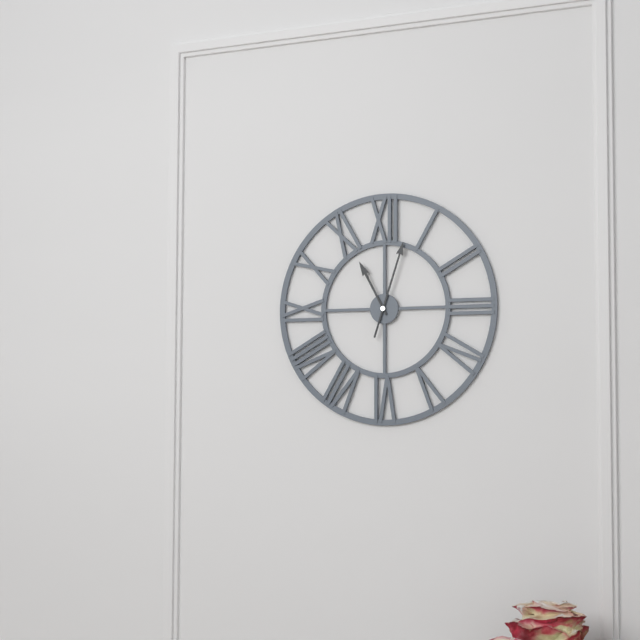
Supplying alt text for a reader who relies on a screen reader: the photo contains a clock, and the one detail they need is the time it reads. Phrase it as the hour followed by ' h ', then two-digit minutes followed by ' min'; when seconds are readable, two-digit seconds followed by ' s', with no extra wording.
11 h 03 min
